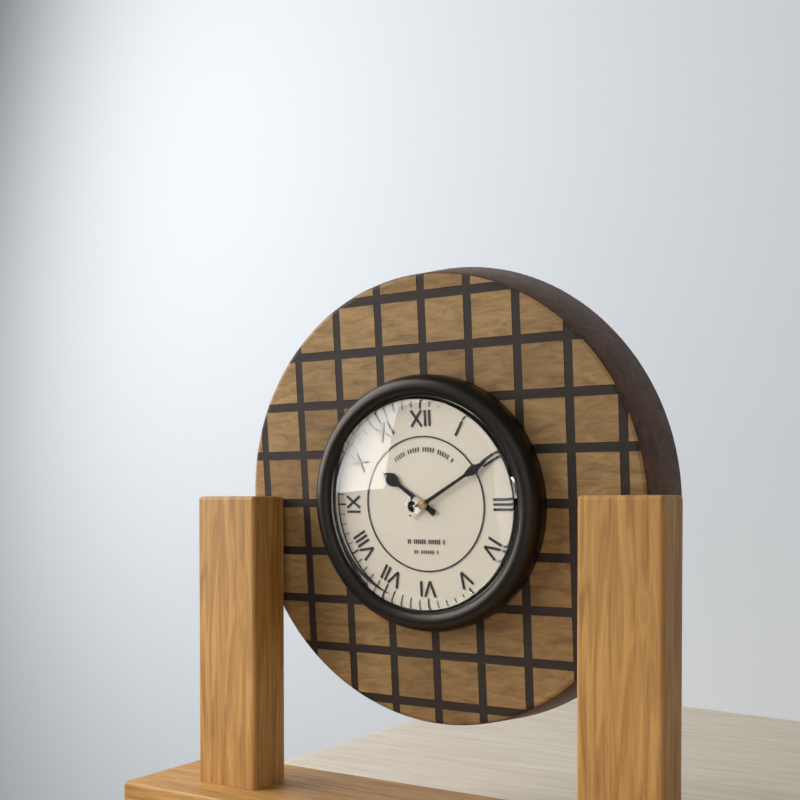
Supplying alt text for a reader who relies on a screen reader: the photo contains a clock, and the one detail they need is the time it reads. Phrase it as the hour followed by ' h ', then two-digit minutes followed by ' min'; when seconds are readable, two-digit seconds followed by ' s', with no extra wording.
10 h 10 min
